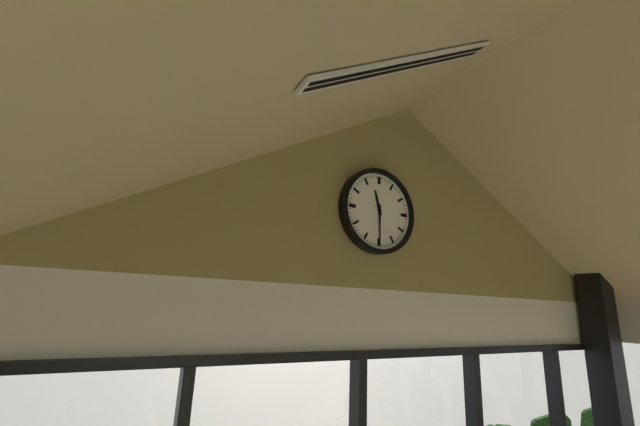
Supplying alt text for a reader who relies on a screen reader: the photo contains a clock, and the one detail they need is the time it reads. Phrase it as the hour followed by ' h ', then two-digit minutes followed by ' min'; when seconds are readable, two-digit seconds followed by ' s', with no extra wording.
11 h 30 min
